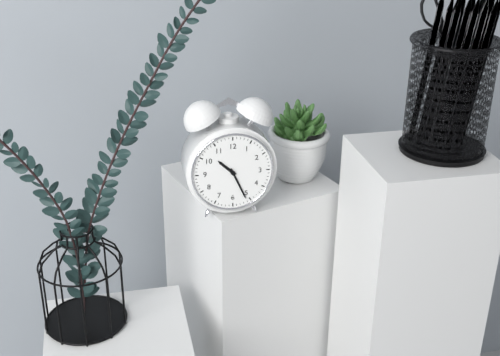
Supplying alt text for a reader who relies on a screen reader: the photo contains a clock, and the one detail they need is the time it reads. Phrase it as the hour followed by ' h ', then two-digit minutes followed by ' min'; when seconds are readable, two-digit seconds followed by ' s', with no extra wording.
10 h 26 min
